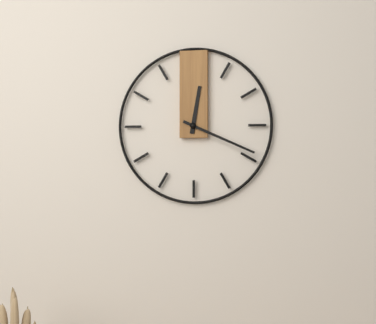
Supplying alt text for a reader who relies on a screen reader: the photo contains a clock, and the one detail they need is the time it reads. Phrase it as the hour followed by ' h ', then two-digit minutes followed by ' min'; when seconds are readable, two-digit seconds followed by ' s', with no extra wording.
12 h 19 min
